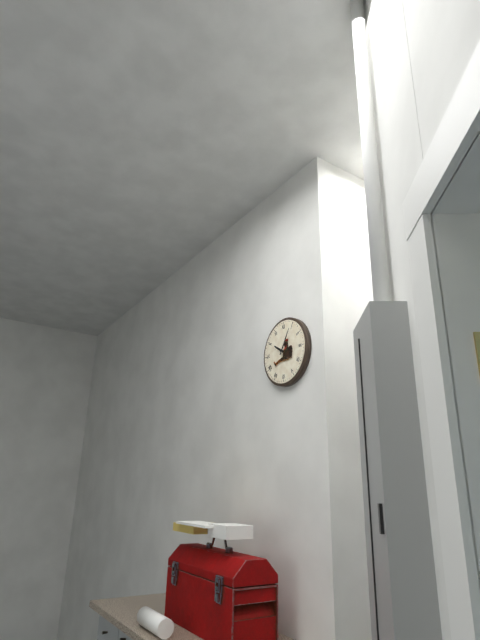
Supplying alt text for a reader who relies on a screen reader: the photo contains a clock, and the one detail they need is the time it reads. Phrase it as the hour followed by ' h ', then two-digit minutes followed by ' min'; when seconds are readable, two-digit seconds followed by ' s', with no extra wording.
10 h 05 min
